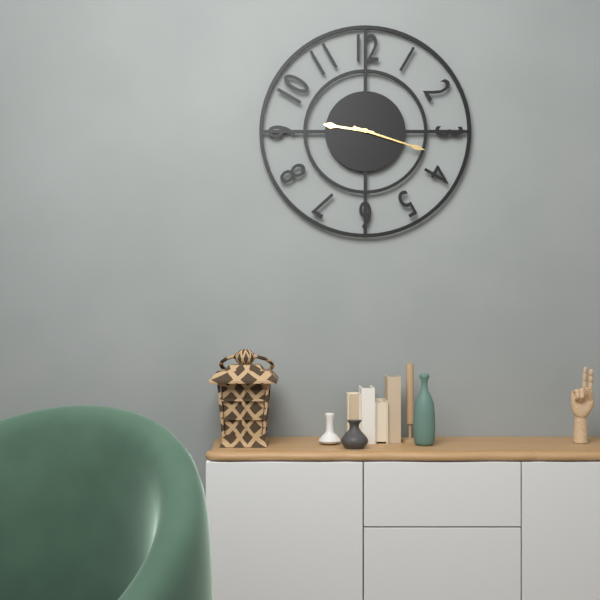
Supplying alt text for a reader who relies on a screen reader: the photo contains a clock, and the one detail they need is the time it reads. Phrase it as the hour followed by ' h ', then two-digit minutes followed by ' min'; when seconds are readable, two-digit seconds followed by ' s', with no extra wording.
9 h 18 min
